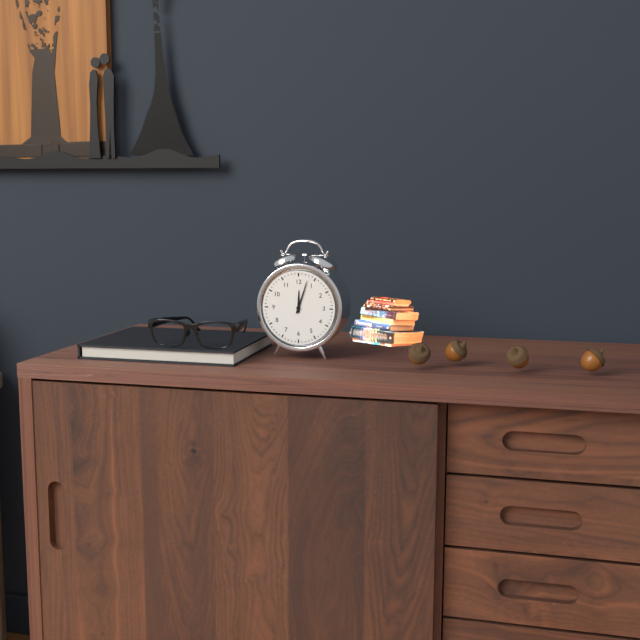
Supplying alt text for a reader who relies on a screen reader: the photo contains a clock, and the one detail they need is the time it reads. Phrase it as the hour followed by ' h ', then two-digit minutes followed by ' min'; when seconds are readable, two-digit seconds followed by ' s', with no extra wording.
12 h 03 min
